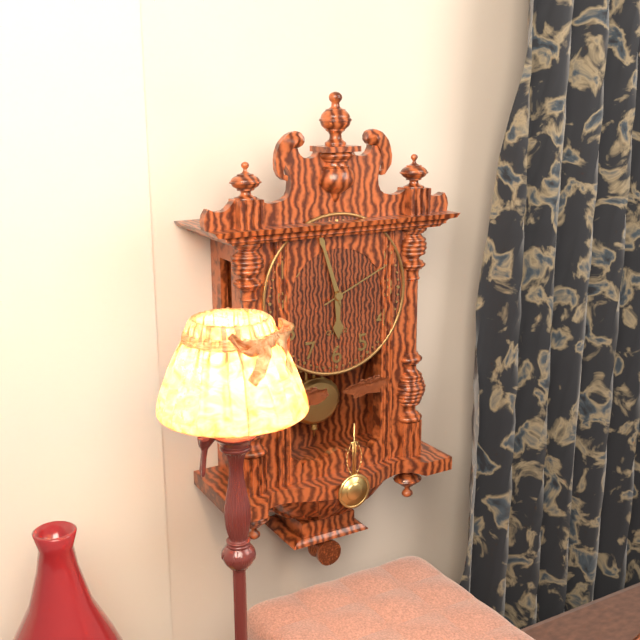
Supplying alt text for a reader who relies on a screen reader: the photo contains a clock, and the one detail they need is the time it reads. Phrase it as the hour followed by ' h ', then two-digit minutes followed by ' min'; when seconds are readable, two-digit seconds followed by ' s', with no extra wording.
5 h 57 min 11 s
